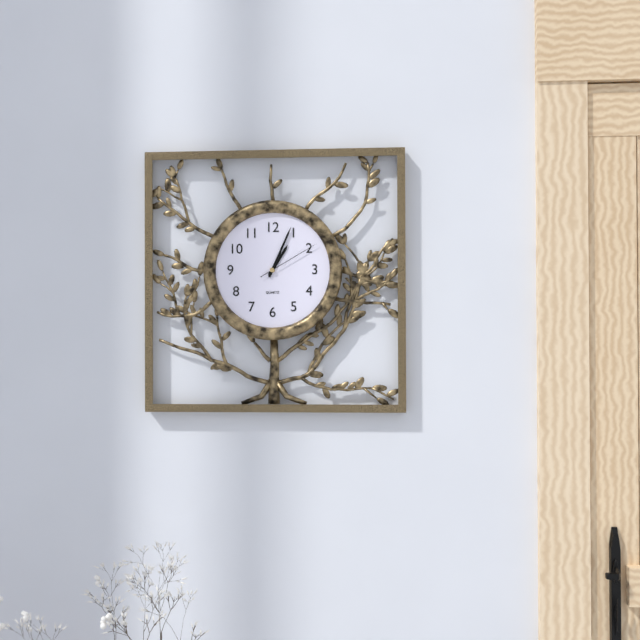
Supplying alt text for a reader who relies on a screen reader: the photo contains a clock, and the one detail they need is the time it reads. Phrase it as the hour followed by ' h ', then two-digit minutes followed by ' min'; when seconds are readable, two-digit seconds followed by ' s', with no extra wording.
1 h 04 min 10 s
